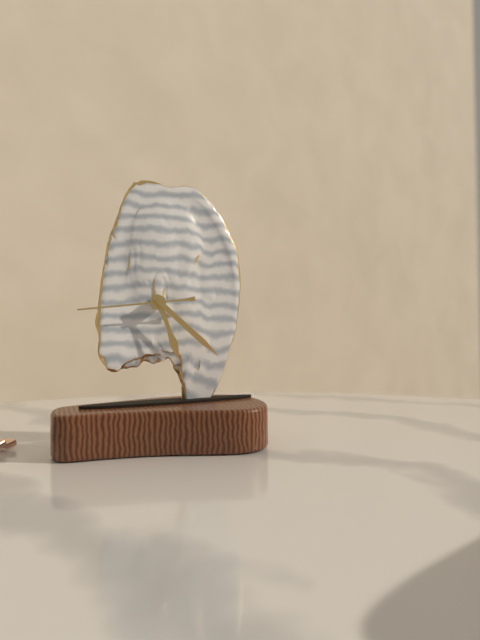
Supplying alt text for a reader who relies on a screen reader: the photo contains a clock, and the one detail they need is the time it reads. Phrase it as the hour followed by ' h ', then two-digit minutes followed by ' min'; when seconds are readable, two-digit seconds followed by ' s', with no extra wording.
5 h 22 min 44 s
